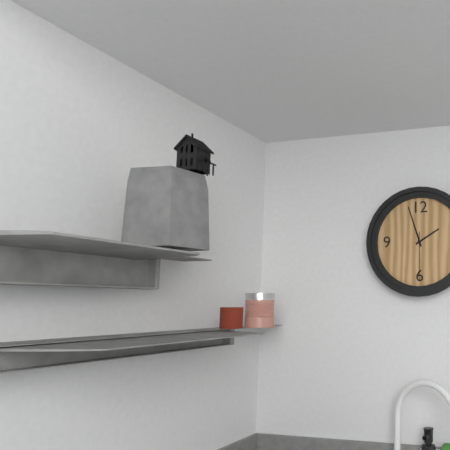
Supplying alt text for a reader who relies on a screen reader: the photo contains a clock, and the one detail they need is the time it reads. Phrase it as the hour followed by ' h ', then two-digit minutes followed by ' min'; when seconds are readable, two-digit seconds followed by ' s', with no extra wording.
1 h 57 min
